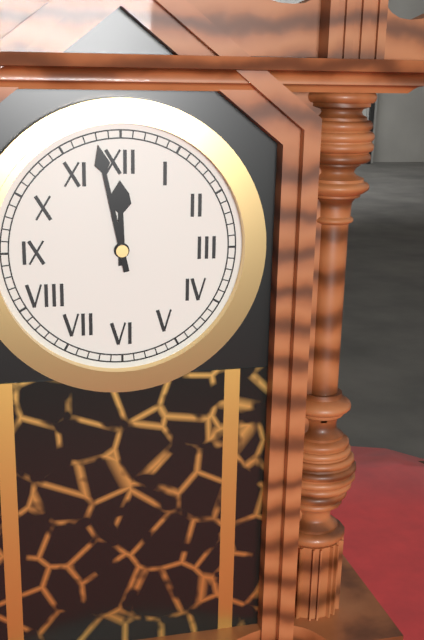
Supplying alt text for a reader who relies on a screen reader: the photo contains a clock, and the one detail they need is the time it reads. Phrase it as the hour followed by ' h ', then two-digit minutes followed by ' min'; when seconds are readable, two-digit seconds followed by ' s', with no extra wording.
11 h 58 min
